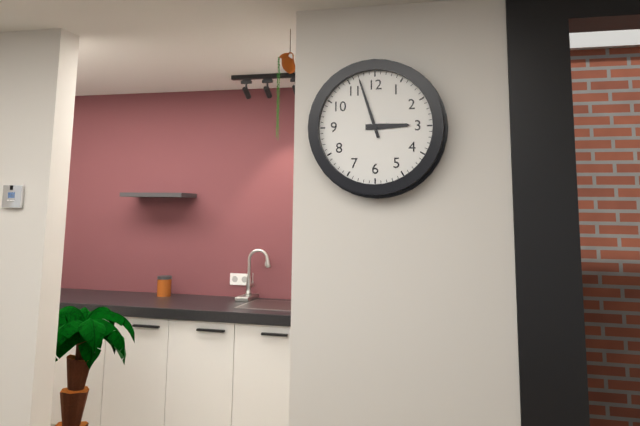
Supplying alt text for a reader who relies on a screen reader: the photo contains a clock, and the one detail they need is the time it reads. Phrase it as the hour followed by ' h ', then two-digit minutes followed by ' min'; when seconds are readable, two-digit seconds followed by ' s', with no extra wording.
2 h 57 min
